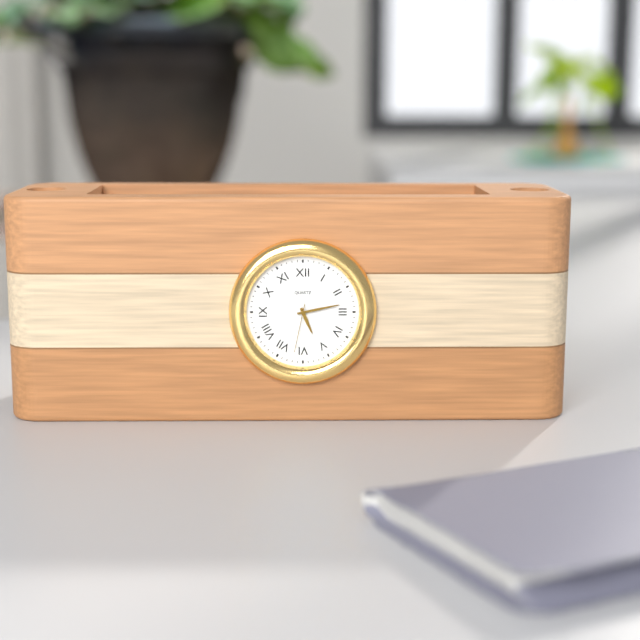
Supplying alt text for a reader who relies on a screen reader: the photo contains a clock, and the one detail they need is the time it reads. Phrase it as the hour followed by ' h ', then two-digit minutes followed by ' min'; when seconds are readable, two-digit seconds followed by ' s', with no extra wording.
5 h 13 min 32 s
